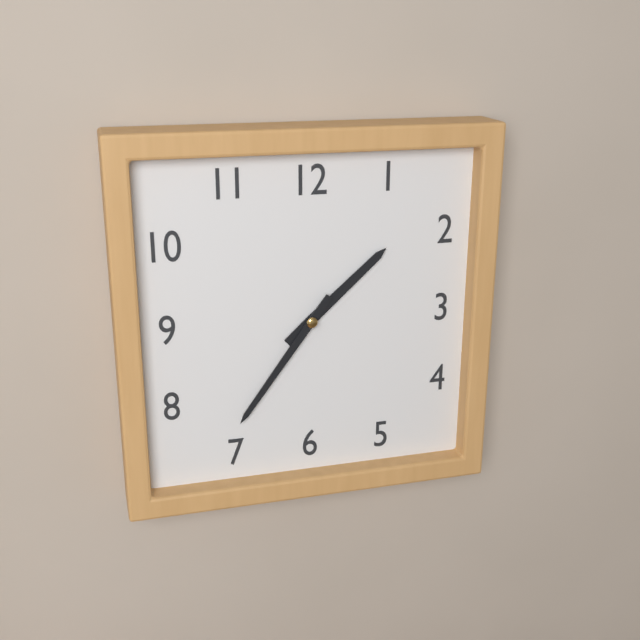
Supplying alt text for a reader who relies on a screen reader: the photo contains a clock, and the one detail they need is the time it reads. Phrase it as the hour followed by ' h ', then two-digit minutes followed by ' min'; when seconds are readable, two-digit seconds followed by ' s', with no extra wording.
1 h 36 min
